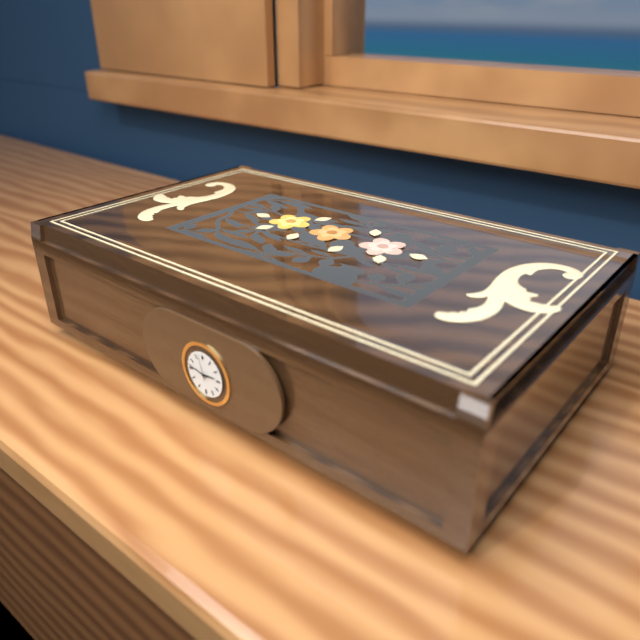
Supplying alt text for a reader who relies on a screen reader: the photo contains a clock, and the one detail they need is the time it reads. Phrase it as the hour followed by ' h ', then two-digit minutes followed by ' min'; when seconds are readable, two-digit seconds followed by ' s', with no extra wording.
2 h 47 min 58 s
